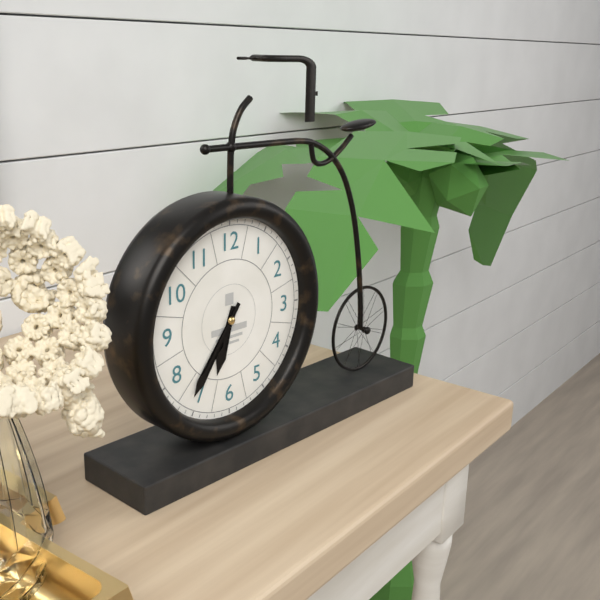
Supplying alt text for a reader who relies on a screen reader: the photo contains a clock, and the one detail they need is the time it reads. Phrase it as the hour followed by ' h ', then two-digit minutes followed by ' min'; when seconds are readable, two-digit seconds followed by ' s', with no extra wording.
6 h 36 min
